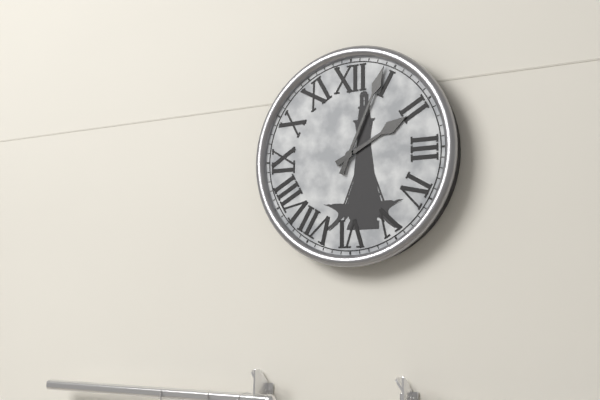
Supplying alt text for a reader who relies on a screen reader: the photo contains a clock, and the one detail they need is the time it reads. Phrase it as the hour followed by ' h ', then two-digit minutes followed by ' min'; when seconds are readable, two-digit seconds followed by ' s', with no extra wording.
2 h 04 min
